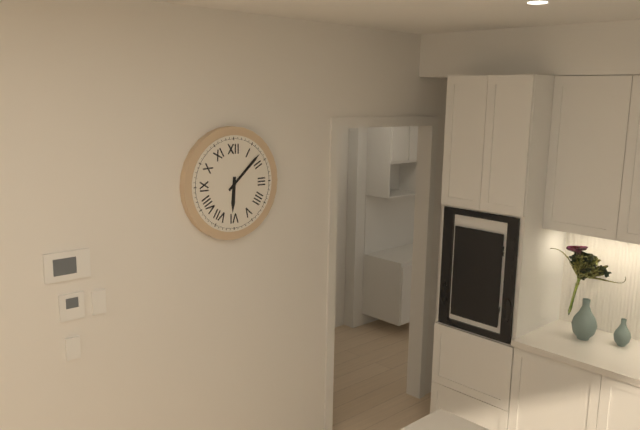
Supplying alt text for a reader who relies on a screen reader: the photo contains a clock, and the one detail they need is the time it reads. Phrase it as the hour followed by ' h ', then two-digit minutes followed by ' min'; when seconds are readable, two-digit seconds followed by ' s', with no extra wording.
6 h 08 min
